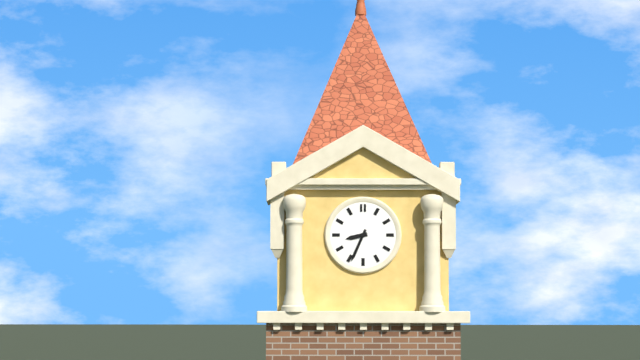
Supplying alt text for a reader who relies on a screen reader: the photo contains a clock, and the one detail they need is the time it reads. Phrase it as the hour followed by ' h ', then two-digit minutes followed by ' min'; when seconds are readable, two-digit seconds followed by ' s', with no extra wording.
8 h 34 min
